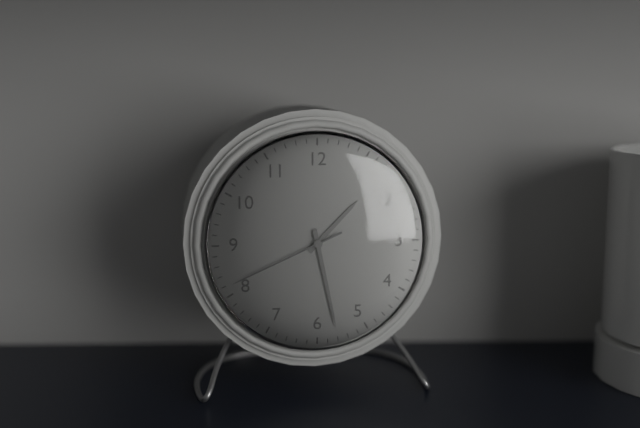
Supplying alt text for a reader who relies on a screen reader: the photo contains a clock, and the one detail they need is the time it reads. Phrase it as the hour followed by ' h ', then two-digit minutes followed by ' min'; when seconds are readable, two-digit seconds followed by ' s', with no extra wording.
1 h 28 min 41 s
